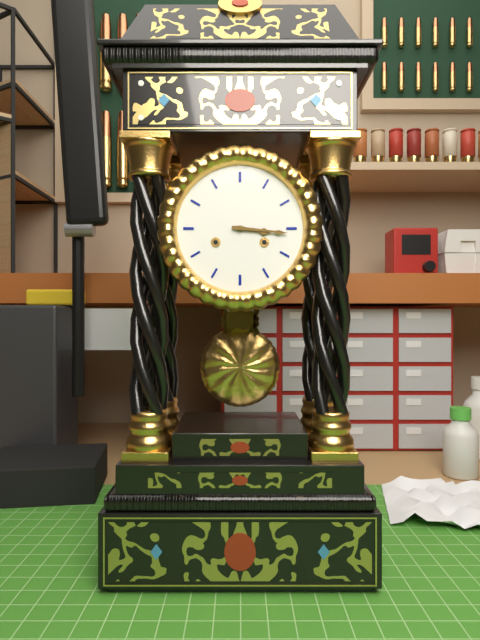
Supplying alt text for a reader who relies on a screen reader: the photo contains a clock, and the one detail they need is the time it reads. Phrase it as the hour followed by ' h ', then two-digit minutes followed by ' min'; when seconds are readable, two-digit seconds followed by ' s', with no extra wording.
3 h 16 min
